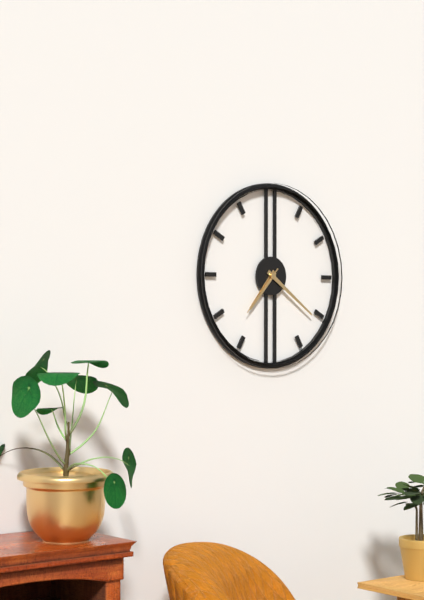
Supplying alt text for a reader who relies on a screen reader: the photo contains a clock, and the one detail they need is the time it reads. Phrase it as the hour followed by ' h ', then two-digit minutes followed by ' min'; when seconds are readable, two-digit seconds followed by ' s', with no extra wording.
7 h 21 min 37 s
